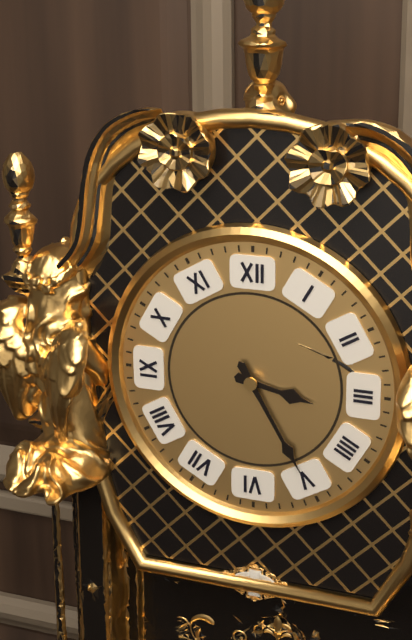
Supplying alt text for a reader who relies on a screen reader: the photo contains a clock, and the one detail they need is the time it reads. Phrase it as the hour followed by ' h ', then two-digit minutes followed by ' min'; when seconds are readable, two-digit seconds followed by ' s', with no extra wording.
3 h 25 min
